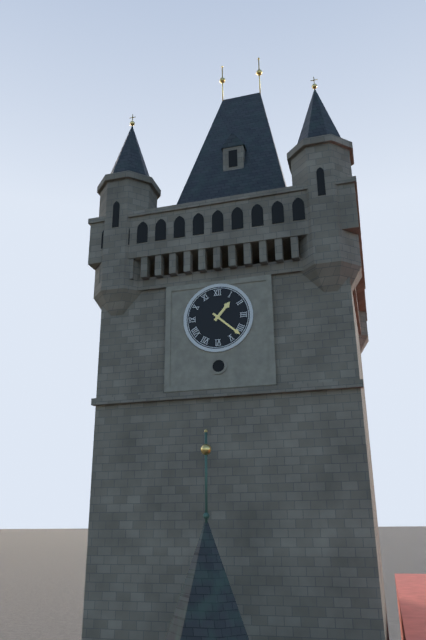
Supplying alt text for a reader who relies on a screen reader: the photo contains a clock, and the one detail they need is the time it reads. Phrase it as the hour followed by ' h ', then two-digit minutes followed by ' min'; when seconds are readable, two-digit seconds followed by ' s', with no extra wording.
1 h 22 min
